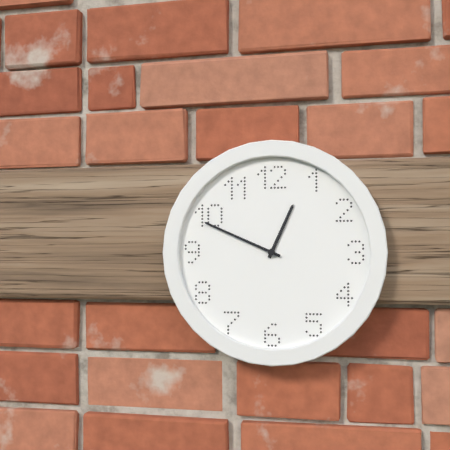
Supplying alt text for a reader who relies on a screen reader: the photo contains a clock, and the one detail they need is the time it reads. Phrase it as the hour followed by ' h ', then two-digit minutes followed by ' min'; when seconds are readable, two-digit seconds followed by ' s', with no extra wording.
12 h 49 min
